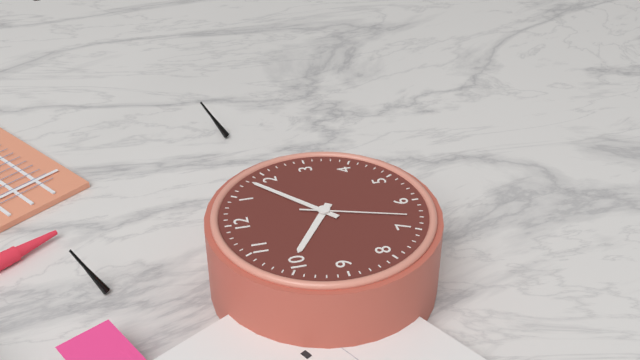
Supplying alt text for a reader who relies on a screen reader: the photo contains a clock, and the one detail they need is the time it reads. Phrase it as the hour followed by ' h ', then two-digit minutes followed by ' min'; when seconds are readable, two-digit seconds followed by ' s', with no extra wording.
10 h 08 min 33 s
